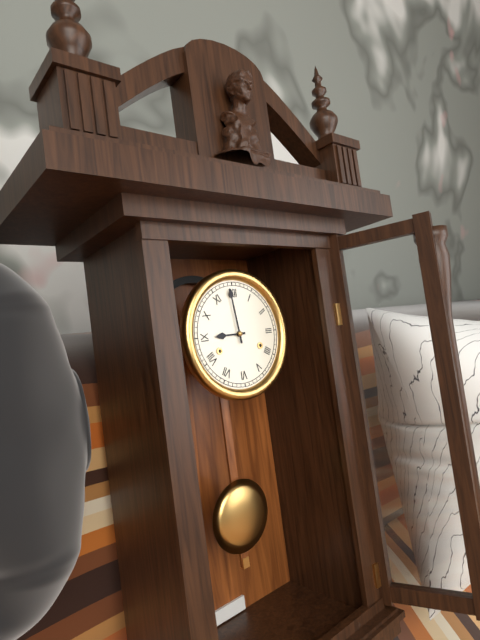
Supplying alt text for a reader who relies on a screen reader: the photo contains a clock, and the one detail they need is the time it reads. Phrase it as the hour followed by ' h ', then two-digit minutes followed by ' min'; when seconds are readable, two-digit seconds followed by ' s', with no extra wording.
8 h 59 min
